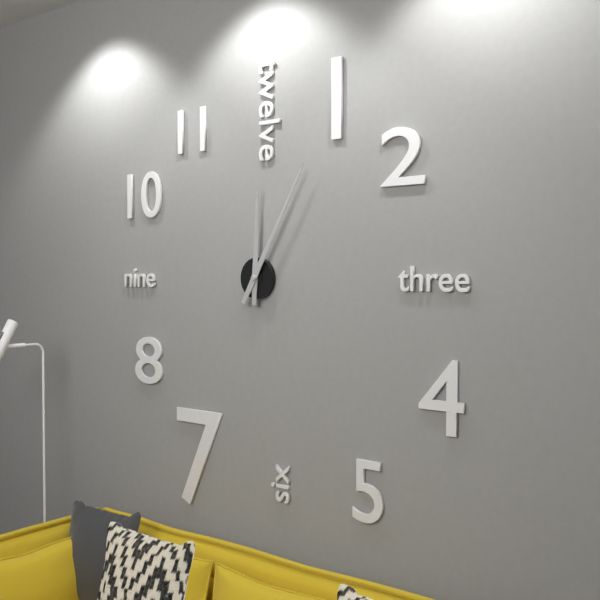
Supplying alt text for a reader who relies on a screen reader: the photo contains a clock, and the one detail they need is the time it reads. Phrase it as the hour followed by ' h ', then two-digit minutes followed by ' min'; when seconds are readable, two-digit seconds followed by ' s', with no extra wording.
12 h 05 min
